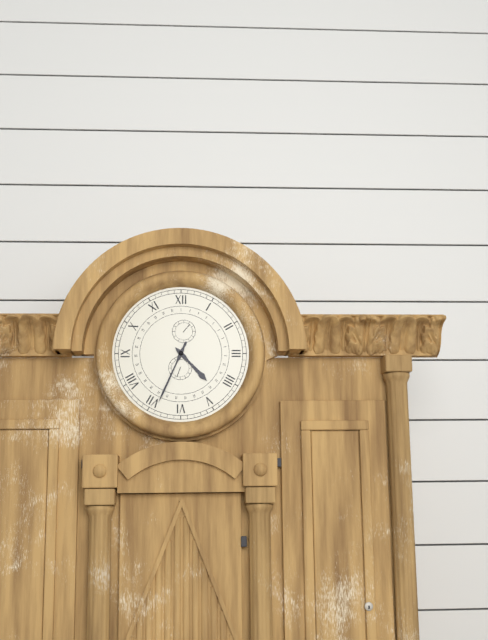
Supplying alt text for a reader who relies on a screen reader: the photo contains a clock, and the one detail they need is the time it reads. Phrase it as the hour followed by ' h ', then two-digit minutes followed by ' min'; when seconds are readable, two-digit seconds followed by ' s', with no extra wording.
4 h 34 min
